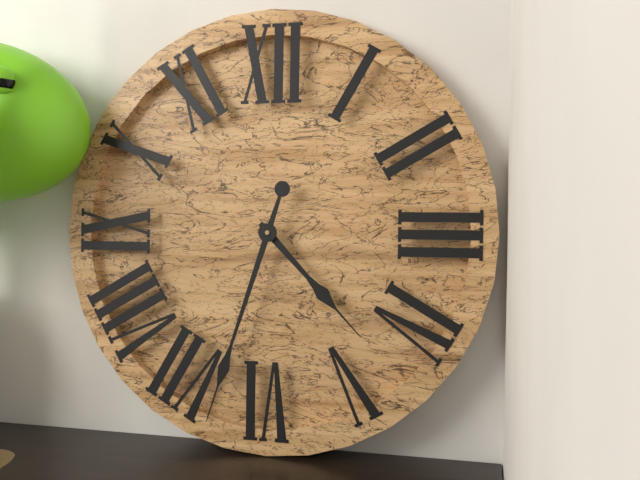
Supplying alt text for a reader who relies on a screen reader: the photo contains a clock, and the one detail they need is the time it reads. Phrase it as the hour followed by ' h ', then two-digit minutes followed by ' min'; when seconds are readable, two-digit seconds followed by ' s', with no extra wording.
4 h 33 min
